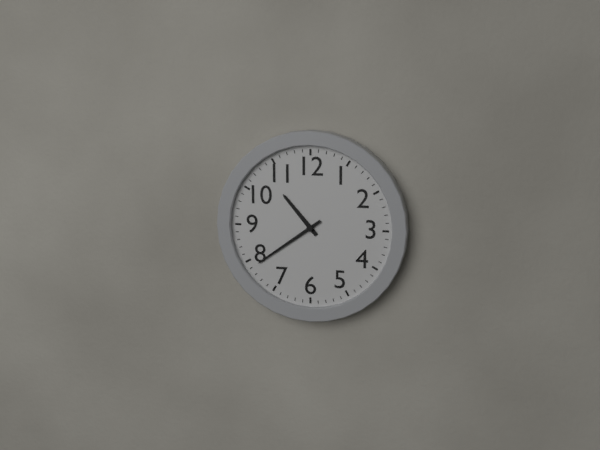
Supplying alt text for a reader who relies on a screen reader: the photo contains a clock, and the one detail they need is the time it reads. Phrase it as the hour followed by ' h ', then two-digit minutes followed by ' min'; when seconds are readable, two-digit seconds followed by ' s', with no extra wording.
10 h 39 min
